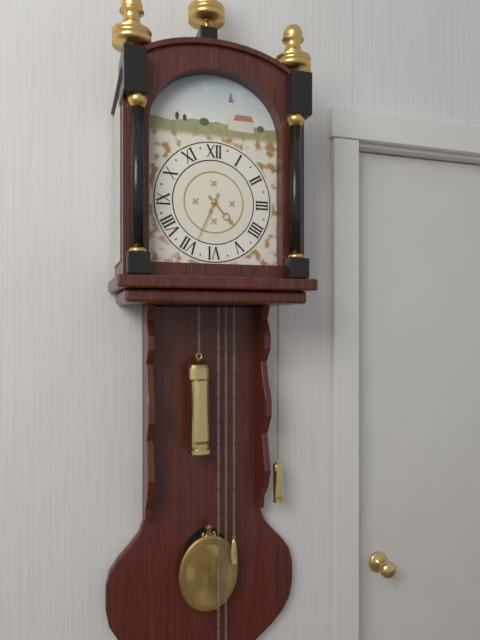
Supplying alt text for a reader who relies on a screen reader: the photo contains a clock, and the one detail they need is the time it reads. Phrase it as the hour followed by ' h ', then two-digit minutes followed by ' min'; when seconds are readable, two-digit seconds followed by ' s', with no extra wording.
4 h 34 min
